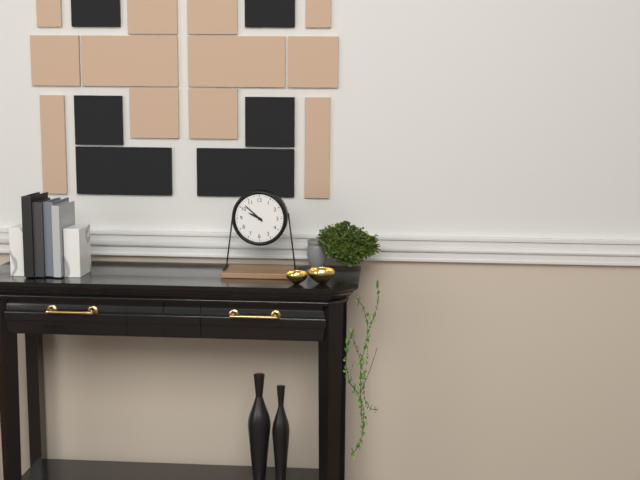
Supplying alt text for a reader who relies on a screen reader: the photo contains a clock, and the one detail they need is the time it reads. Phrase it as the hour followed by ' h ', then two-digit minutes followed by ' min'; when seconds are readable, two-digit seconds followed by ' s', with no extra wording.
9 h 52 min
